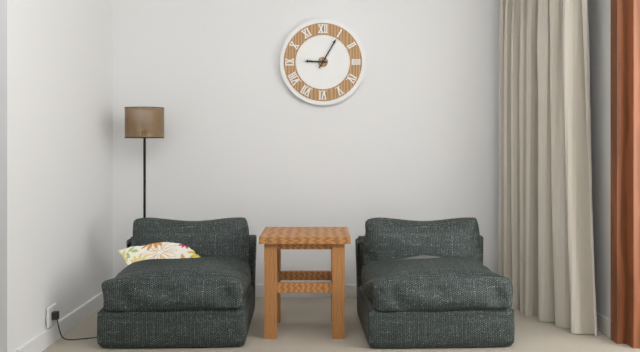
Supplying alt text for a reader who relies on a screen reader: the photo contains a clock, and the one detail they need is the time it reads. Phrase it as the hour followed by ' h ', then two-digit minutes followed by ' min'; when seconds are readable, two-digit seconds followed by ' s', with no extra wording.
9 h 05 min
